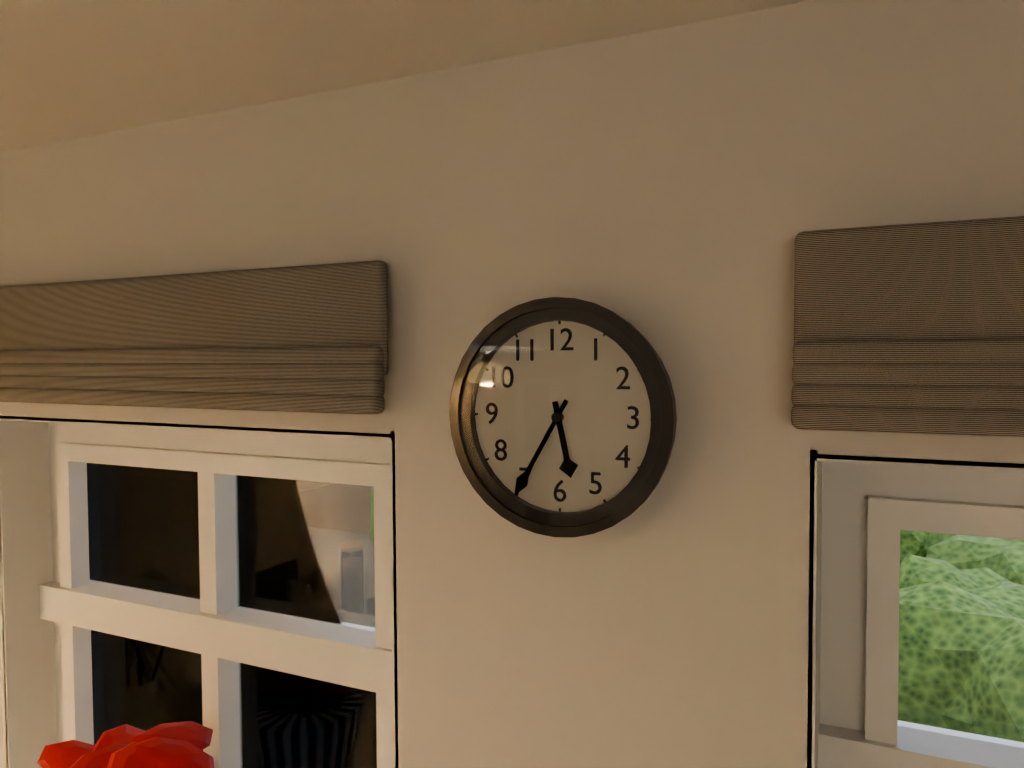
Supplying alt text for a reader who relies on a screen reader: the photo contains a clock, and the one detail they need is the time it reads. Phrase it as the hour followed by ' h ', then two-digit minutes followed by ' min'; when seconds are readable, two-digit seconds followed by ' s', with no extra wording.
5 h 35 min
